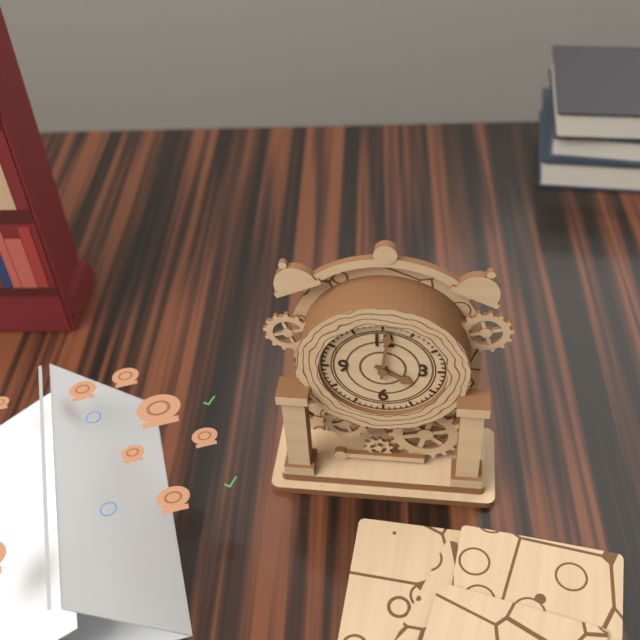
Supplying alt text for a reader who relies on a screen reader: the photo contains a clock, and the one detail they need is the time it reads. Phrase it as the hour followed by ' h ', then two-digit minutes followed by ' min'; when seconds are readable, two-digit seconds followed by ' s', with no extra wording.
4 h 01 min
